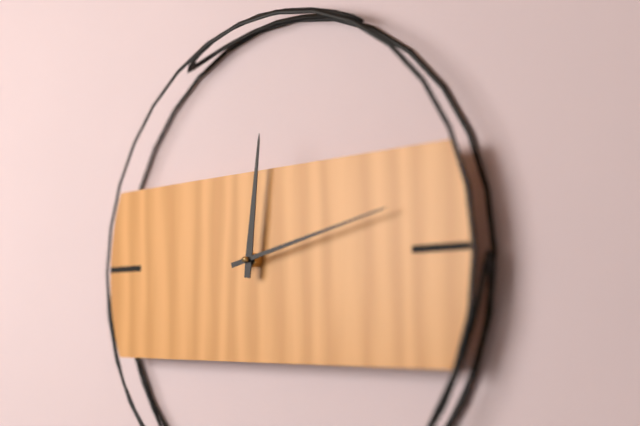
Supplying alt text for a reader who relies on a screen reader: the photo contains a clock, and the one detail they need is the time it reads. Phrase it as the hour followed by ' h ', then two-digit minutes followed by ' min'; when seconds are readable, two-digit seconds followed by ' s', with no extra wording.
12 h 13 min
